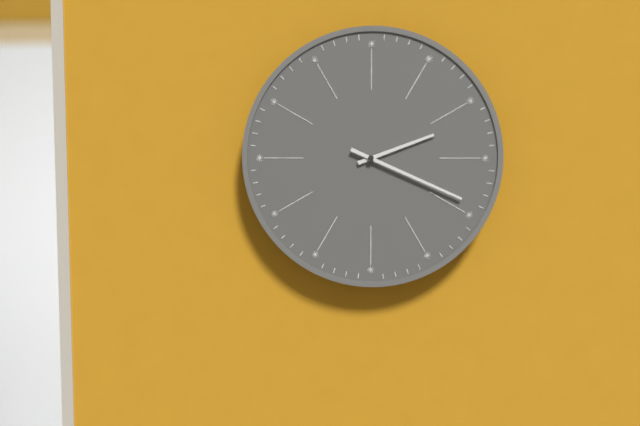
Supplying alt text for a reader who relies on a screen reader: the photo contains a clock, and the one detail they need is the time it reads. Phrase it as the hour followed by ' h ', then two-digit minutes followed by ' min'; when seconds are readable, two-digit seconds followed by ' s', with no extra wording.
2 h 19 min
